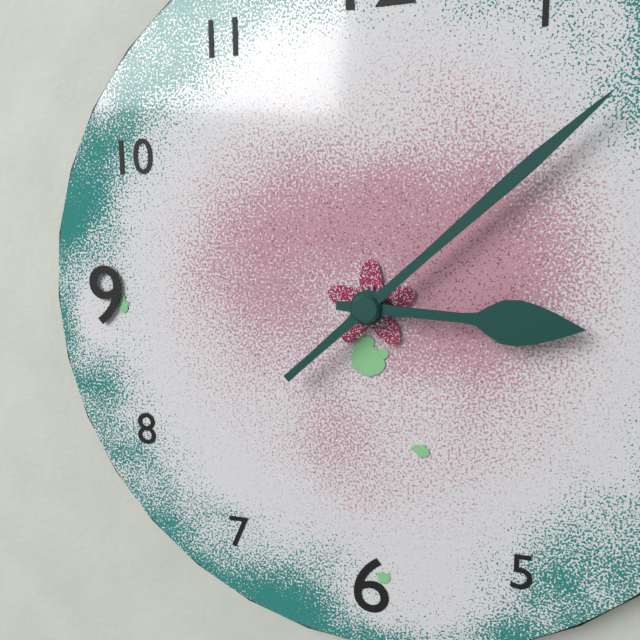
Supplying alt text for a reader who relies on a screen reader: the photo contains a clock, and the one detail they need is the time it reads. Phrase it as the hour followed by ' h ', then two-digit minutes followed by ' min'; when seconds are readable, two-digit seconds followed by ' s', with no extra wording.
3 h 08 min
